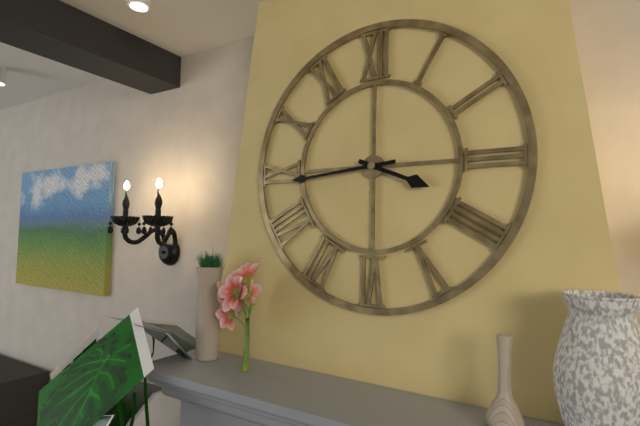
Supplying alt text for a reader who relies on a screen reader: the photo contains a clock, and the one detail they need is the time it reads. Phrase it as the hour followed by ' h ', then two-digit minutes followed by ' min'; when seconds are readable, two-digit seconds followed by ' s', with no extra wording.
3 h 44 min
